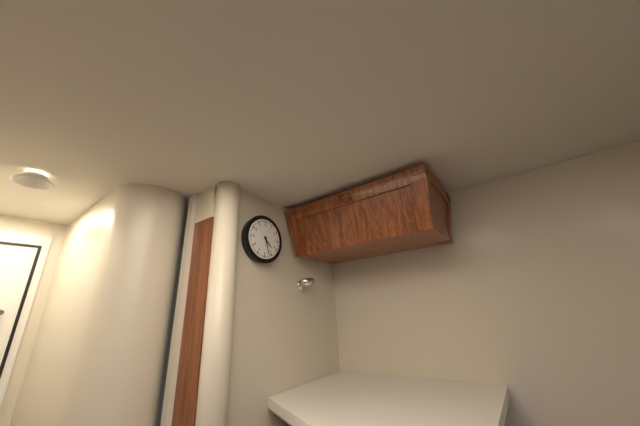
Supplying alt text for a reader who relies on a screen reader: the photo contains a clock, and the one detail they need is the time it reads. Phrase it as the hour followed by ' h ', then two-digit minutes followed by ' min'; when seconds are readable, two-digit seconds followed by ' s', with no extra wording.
4 h 27 min
